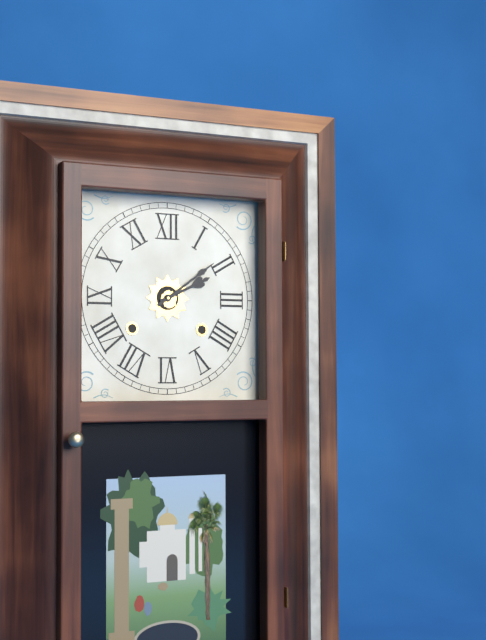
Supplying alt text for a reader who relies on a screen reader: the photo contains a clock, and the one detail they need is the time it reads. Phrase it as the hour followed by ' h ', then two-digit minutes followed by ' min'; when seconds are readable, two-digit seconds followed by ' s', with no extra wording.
2 h 09 min
